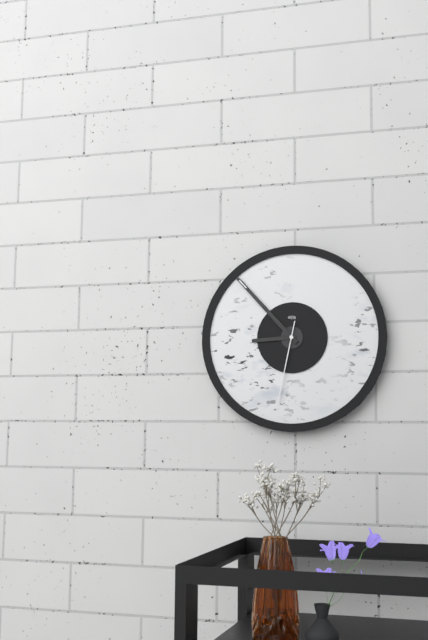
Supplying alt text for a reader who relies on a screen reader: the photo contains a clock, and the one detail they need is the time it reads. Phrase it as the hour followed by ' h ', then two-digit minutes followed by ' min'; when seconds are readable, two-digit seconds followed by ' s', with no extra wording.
8 h 53 min 32 s
